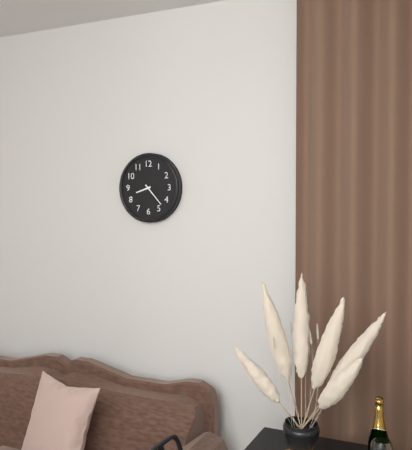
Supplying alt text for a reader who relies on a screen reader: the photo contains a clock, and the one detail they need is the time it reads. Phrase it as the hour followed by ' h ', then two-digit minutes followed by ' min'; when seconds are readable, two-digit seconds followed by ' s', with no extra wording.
8 h 23 min
